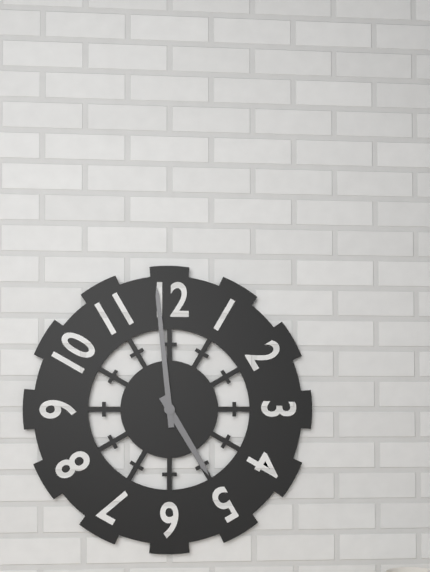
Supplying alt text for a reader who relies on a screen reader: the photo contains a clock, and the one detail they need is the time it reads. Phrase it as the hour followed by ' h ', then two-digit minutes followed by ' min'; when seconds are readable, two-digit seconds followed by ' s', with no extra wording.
4 h 59 min
